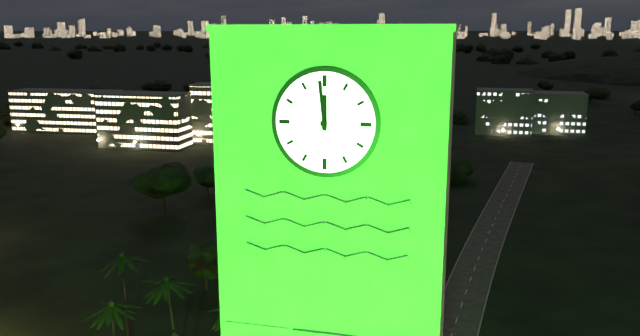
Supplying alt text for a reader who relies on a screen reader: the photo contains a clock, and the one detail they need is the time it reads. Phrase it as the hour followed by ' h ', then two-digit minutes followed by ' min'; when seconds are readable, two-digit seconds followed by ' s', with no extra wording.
11 h 59 min
